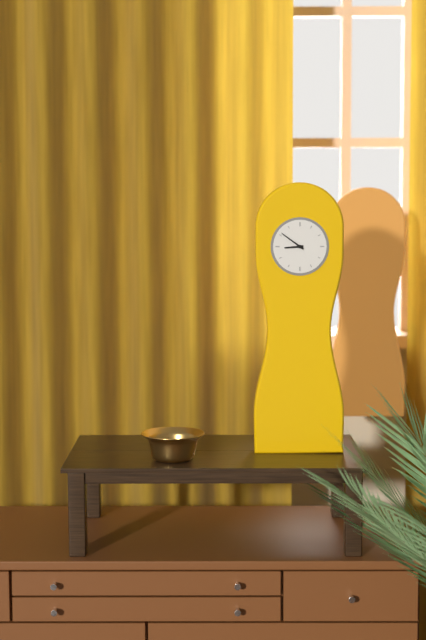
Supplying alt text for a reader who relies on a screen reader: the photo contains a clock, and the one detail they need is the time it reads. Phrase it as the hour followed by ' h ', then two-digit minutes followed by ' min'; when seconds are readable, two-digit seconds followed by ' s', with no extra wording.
8 h 51 min
